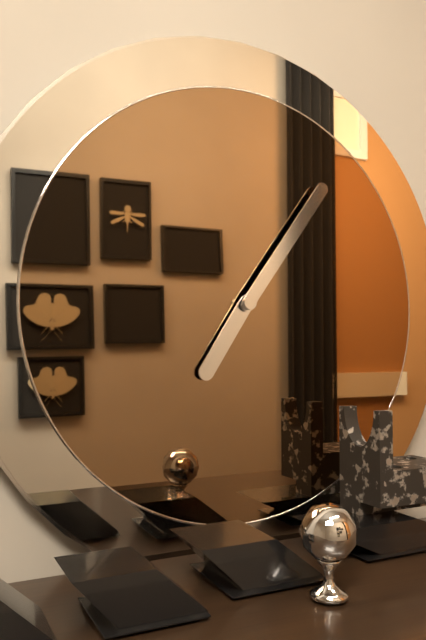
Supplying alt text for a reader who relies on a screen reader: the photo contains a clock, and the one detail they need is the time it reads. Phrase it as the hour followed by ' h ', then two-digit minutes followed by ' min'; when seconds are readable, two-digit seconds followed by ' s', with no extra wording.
7 h 06 min
